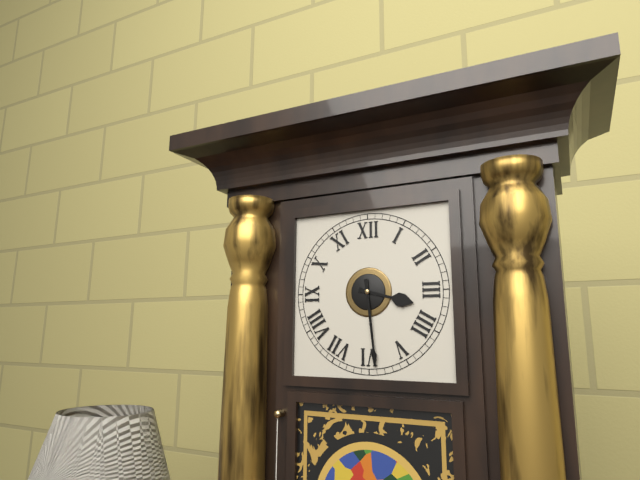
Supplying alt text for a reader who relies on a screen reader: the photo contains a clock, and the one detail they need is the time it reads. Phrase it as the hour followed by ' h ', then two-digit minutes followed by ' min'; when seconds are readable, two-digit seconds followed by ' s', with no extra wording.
3 h 29 min
